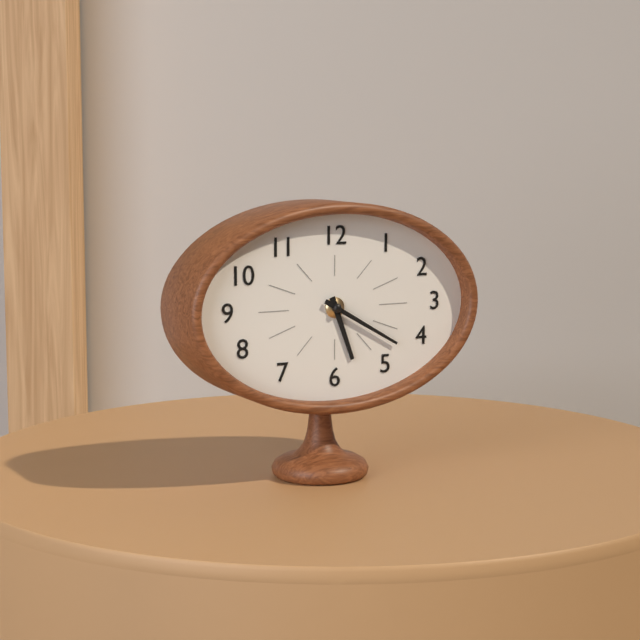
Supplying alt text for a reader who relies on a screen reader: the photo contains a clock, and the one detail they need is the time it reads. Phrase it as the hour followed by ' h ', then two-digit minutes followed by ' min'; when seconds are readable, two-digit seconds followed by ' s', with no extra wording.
5 h 20 min
